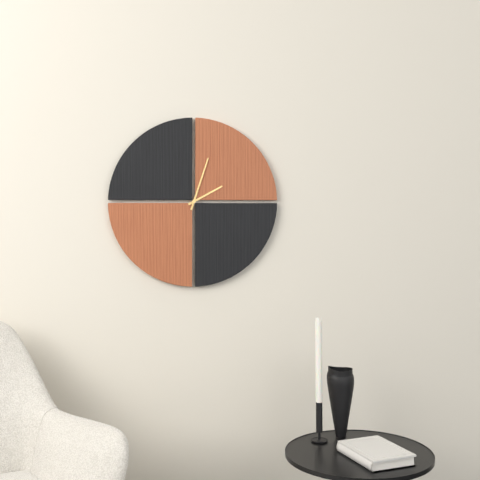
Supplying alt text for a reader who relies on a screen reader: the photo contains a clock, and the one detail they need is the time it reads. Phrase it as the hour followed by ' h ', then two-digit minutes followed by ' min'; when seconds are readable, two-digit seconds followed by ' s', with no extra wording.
2 h 03 min
